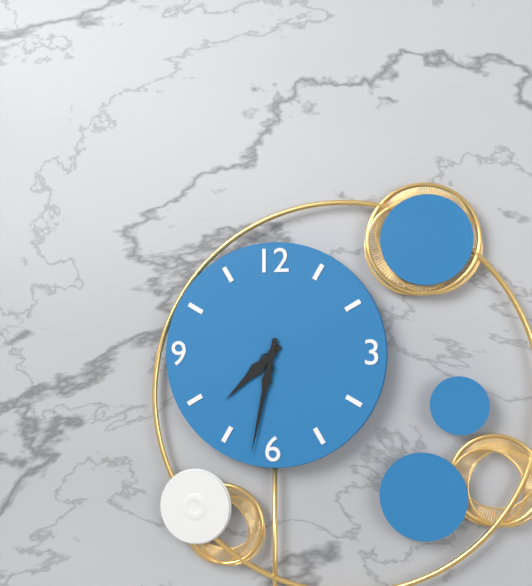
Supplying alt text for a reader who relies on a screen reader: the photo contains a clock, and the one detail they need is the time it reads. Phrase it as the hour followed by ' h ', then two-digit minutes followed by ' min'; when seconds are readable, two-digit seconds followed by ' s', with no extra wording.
7 h 32 min
